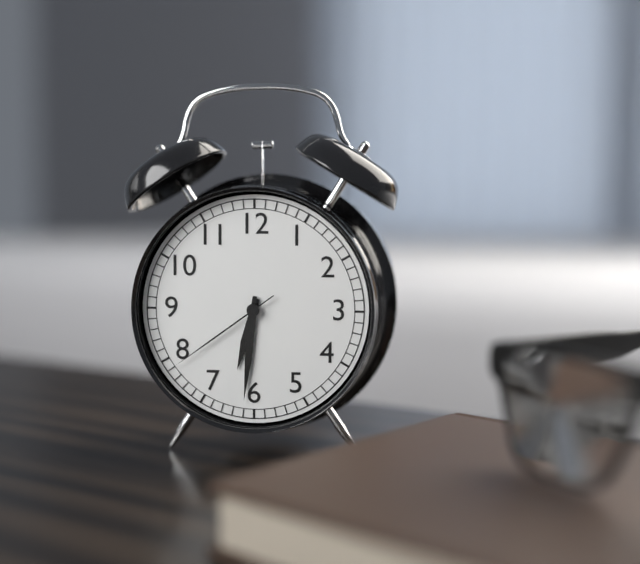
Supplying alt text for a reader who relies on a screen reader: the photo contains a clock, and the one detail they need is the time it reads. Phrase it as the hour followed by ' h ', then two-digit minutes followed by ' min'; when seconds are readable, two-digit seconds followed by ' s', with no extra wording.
6 h 31 min 39 s
